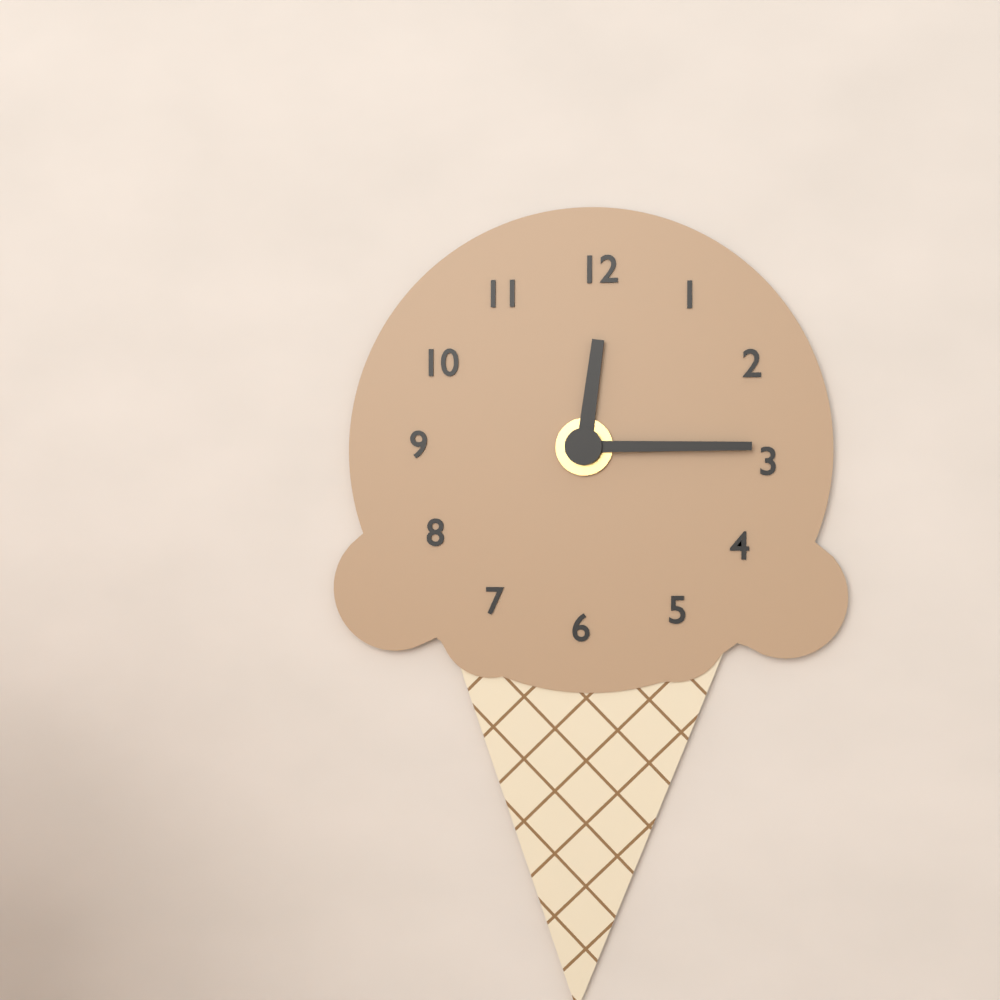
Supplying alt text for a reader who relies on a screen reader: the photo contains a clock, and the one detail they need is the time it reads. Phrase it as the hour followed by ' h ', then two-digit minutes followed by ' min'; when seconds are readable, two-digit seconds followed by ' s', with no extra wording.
12 h 15 min
